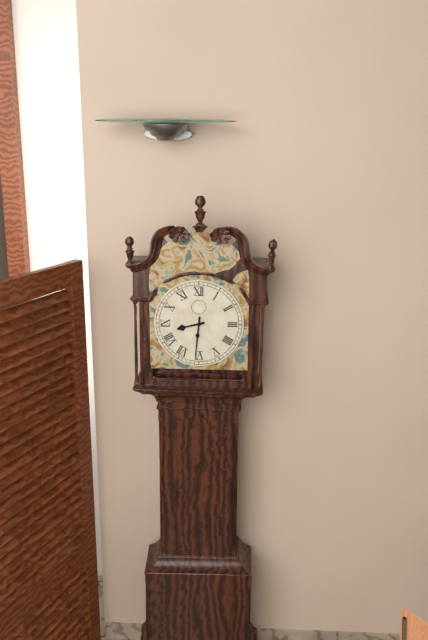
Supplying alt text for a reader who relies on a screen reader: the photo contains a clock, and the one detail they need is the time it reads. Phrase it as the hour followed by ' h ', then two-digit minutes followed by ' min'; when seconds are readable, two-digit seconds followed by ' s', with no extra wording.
8 h 31 min
